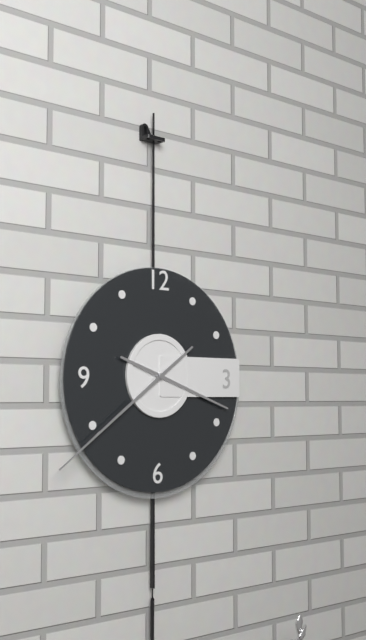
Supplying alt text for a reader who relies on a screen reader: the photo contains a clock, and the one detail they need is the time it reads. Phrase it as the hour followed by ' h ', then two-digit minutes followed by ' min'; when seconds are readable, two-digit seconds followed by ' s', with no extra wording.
3 h 39 min
